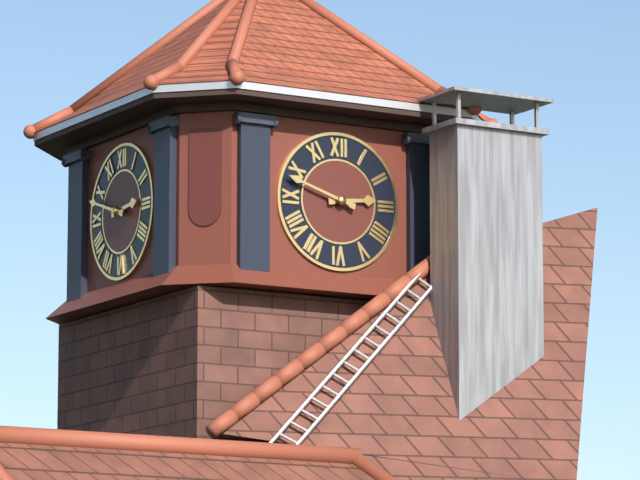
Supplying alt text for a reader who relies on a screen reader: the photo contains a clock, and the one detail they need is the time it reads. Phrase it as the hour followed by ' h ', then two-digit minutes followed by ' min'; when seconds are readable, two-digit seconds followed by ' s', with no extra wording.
2 h 48 min
